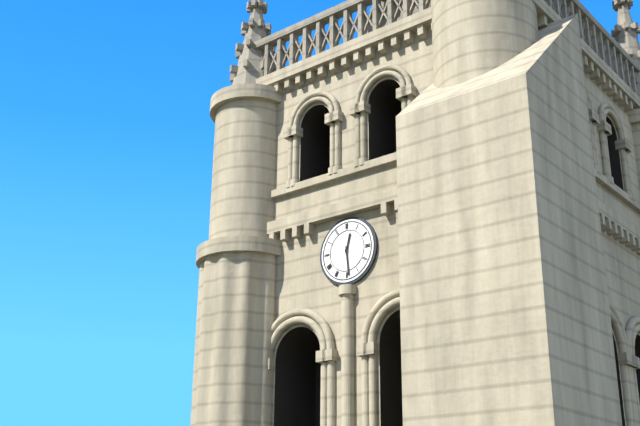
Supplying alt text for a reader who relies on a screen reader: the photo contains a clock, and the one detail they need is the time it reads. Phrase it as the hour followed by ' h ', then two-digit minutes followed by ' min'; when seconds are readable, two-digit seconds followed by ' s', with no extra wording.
12 h 29 min
